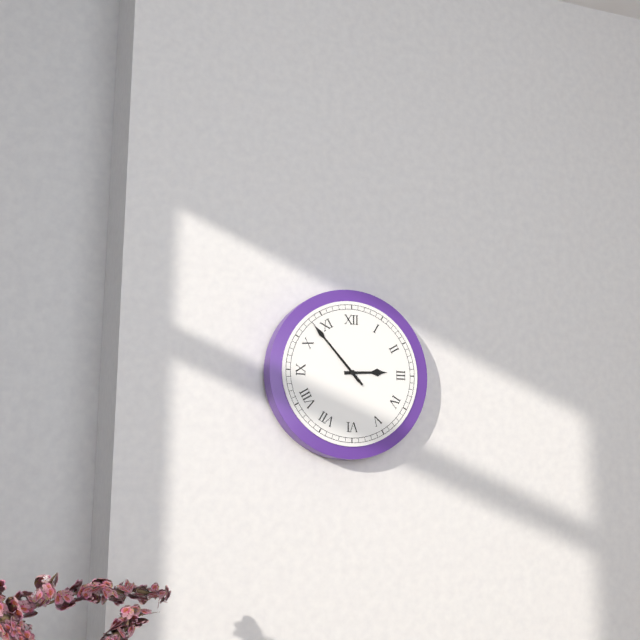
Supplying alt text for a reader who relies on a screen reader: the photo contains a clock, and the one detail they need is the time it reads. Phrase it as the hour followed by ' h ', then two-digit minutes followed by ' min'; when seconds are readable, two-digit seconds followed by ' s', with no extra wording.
2 h 53 min 53 s
